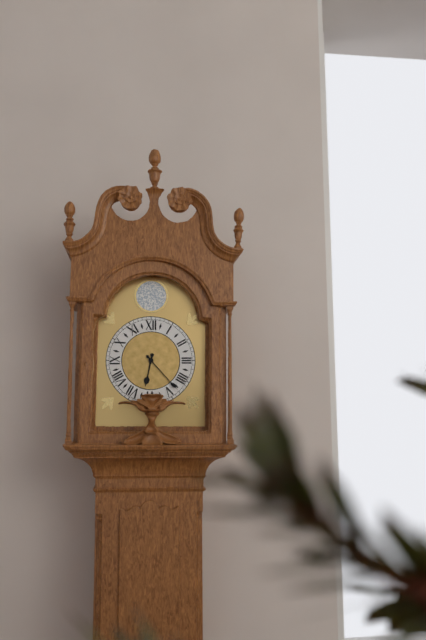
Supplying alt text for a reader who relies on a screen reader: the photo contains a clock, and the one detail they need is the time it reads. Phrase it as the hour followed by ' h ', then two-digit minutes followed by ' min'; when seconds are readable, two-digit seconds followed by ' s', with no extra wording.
6 h 23 min
